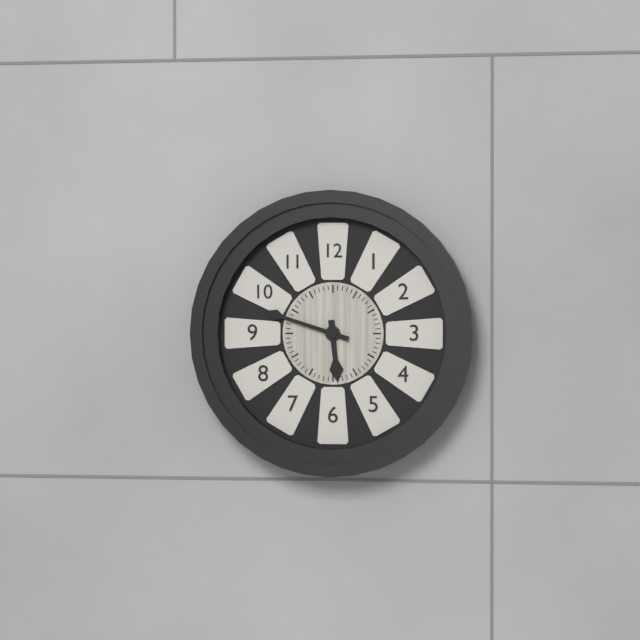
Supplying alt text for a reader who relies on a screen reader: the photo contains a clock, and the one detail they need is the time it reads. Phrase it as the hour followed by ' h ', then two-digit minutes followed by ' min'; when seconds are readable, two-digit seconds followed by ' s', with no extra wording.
5 h 48 min
